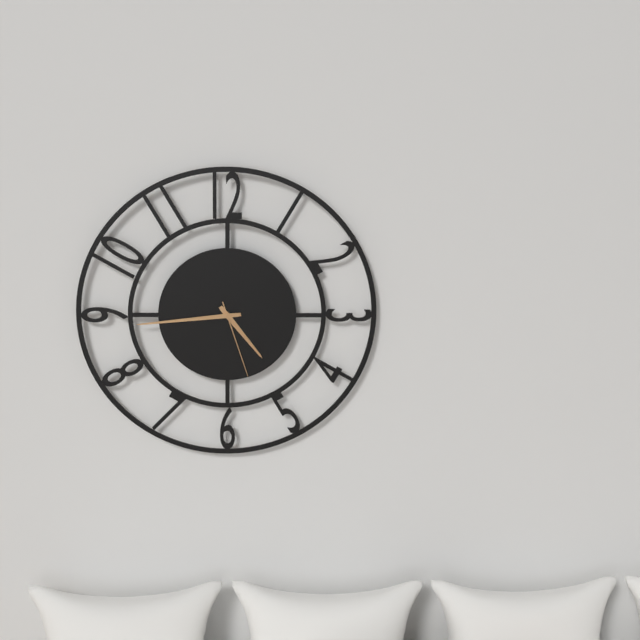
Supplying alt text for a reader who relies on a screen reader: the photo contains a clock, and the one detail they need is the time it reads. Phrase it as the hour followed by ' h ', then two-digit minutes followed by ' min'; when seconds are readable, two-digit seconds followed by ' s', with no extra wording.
4 h 44 min 27 s
